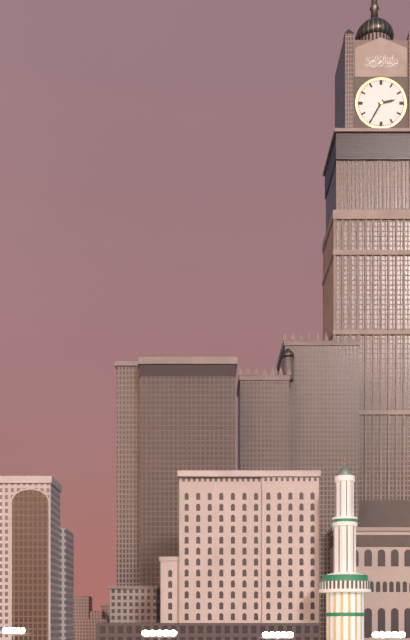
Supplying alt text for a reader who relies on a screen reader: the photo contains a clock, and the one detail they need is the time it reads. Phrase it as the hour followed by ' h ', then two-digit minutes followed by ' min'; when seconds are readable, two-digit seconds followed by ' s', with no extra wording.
2 h 35 min
